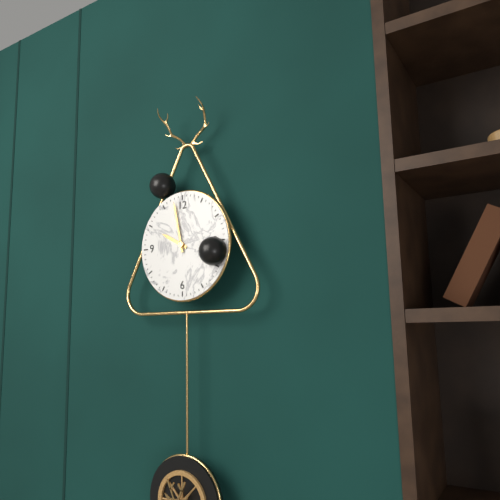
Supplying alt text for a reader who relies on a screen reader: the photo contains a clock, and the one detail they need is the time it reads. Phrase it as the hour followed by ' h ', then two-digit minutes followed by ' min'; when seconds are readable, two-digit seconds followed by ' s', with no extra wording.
9 h 58 min
